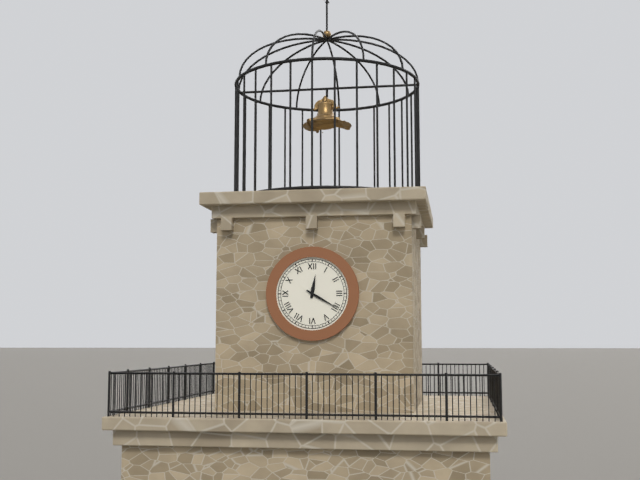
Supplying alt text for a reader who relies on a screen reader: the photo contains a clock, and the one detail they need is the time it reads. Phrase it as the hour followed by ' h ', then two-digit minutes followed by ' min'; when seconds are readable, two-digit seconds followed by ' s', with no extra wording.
12 h 20 min
